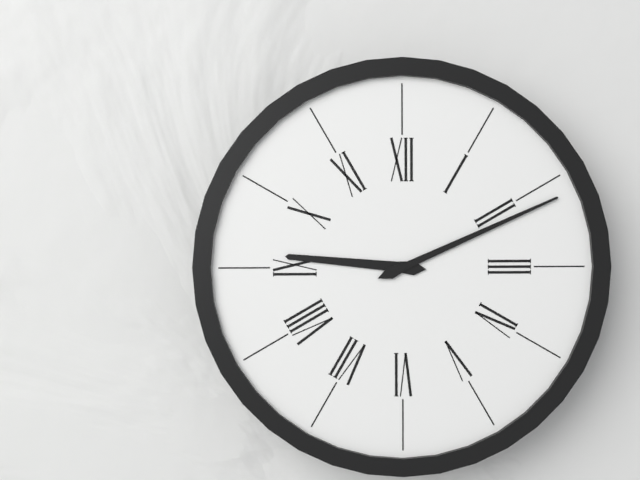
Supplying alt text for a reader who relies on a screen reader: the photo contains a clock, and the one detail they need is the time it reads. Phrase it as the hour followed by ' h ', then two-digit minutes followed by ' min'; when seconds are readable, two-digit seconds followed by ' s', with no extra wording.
9 h 11 min
